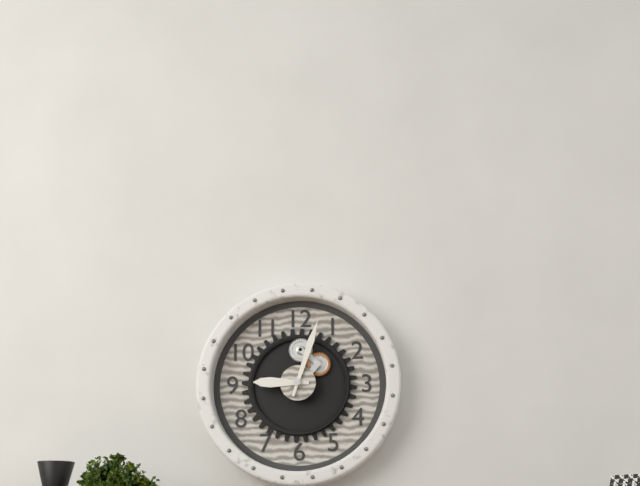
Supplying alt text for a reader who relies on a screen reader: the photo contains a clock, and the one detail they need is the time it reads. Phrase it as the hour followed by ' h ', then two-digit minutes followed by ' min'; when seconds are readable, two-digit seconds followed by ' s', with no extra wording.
9 h 03 min
